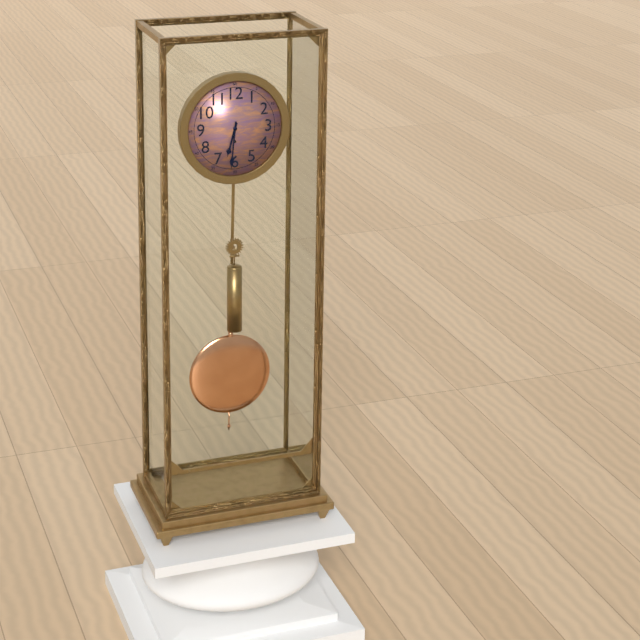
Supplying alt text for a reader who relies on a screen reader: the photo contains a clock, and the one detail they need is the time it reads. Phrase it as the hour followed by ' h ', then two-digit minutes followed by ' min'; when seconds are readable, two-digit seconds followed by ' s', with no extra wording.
6 h 31 min
